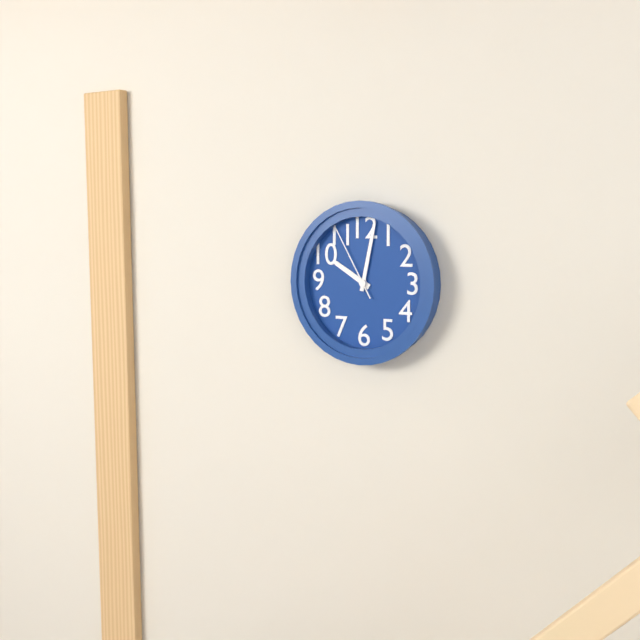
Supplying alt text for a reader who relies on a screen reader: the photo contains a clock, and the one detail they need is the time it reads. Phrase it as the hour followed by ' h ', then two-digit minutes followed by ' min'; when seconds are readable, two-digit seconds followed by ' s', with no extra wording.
10 h 02 min 55 s
